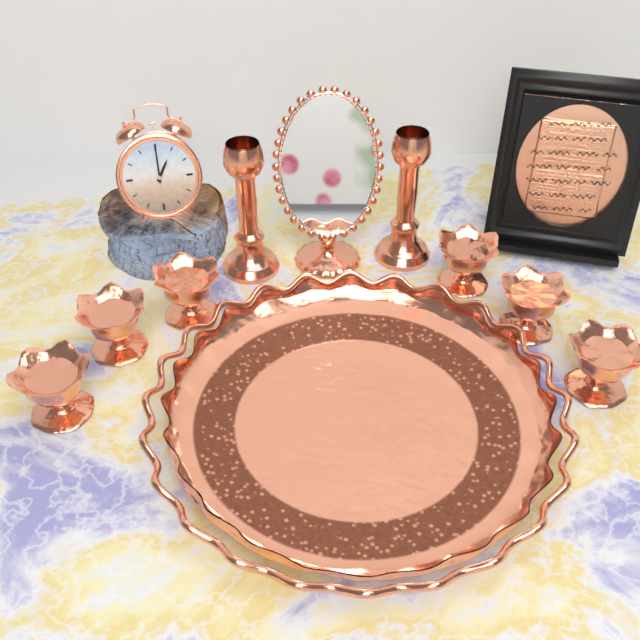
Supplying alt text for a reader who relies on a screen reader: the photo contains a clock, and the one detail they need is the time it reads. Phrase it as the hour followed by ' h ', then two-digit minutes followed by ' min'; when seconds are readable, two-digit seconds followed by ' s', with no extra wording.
1 h 00 min
